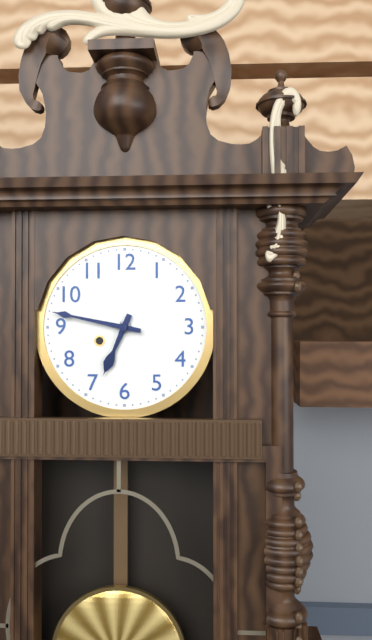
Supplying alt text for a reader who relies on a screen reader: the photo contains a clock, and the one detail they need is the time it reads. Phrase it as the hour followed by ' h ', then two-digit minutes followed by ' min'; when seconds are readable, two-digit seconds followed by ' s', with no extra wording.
6 h 47 min
